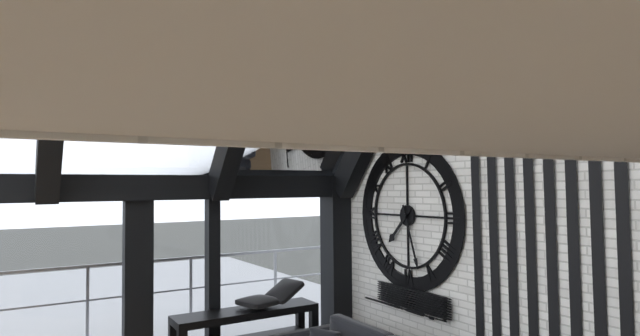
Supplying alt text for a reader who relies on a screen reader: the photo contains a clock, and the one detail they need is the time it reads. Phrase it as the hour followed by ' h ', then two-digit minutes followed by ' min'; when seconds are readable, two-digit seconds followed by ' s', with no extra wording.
7 h 27 min
